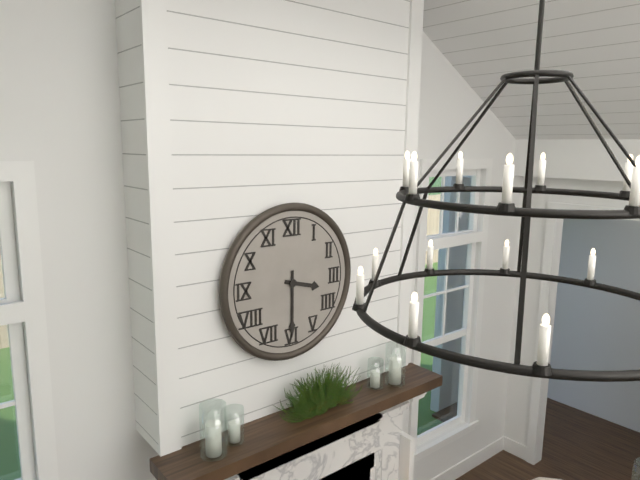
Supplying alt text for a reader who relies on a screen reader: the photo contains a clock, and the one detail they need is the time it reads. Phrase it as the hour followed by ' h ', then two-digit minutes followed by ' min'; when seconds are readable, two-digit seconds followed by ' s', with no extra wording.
3 h 30 min
